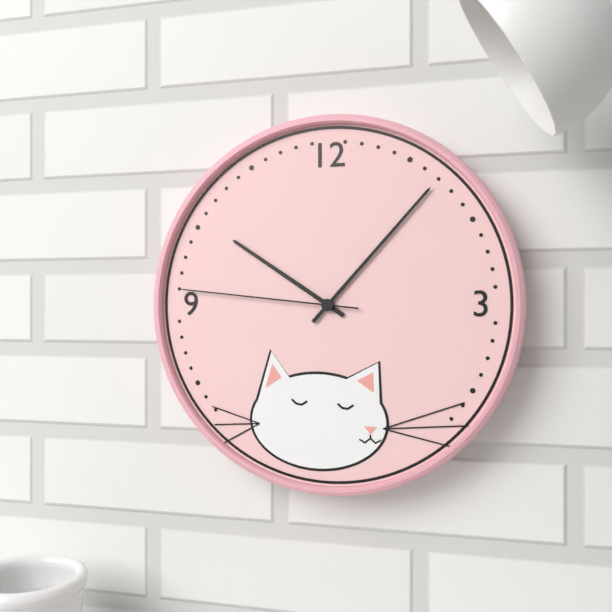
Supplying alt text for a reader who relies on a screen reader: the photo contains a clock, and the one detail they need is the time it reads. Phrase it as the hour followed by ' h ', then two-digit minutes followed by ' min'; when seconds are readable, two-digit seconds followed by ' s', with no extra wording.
10 h 07 min 46 s
